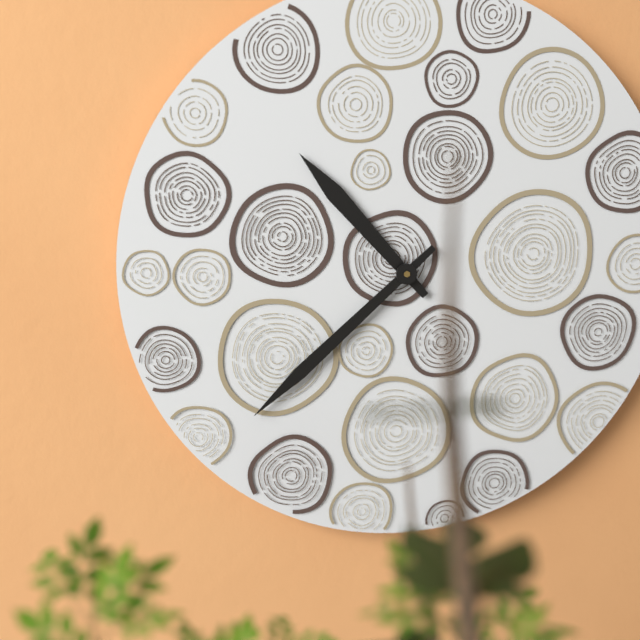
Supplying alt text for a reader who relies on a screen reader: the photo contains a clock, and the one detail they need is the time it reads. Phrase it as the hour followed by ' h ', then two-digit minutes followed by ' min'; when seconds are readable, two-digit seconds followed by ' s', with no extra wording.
10 h 38 min
